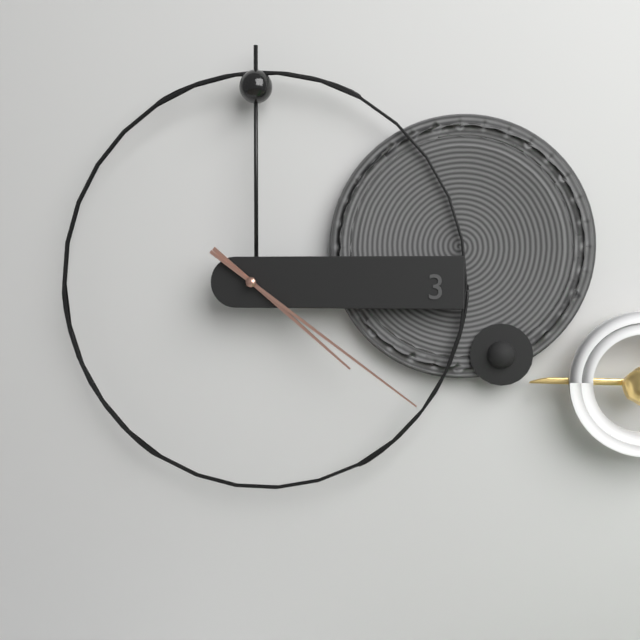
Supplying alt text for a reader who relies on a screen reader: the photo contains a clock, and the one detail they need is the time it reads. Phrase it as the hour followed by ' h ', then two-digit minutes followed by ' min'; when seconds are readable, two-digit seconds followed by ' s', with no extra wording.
4 h 21 min
